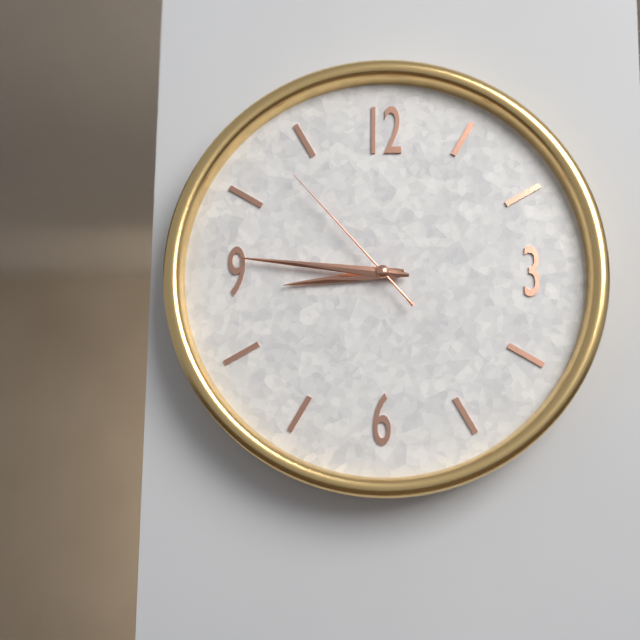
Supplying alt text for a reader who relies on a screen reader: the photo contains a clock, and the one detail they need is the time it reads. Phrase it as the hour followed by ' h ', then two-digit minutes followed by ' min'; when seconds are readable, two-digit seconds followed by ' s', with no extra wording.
8 h 46 min 53 s
